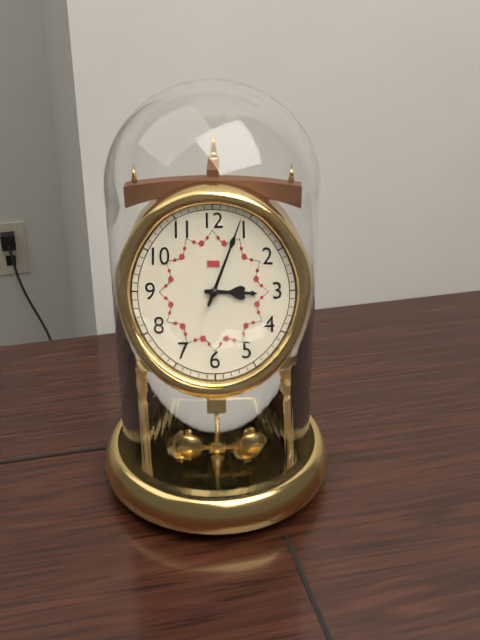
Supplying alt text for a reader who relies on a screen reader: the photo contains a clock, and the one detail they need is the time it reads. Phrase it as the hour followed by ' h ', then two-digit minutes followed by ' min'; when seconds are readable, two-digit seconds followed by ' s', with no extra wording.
3 h 04 min
